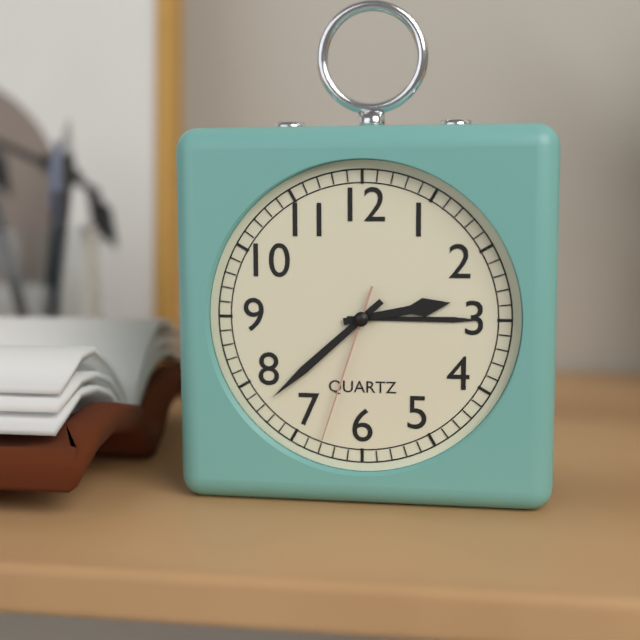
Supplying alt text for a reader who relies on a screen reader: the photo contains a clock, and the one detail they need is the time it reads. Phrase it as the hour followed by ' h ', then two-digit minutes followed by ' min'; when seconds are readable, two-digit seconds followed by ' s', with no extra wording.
2 h 38 min 33 s
